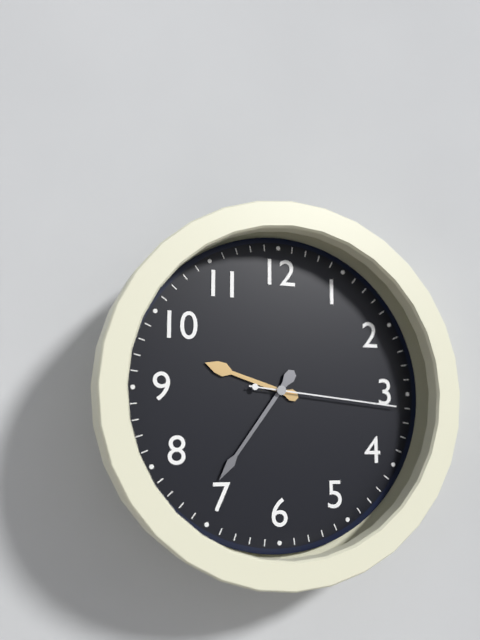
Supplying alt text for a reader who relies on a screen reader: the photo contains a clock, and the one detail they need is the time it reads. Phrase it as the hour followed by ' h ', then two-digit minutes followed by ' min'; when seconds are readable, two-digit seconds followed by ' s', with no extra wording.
9 h 36 min 16 s
